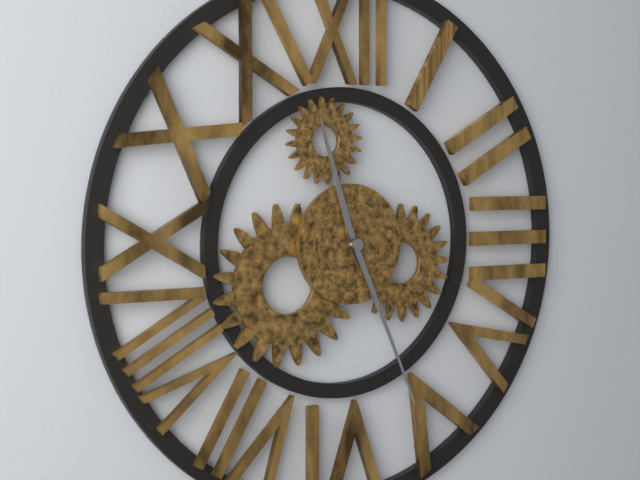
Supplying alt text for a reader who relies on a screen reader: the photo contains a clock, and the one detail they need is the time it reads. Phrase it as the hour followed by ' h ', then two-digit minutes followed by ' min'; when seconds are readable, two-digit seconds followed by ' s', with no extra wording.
11 h 26 min
